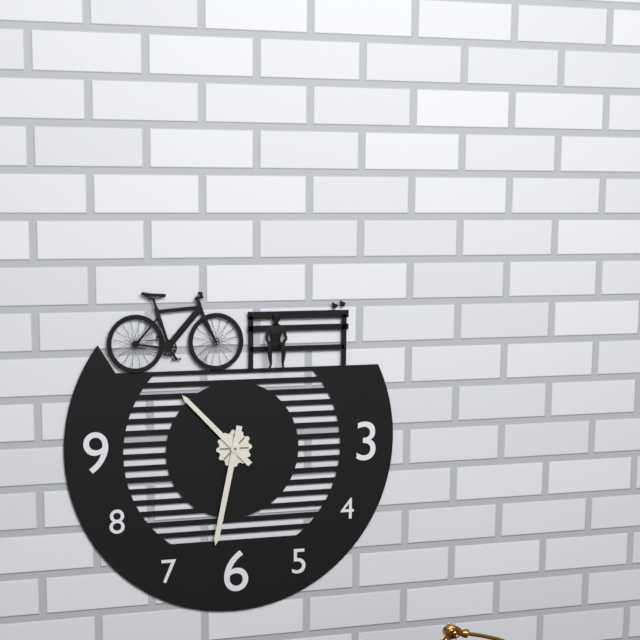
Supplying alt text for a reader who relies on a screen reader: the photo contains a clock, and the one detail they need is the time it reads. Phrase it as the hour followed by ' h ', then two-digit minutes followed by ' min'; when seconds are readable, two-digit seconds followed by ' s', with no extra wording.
10 h 32 min
